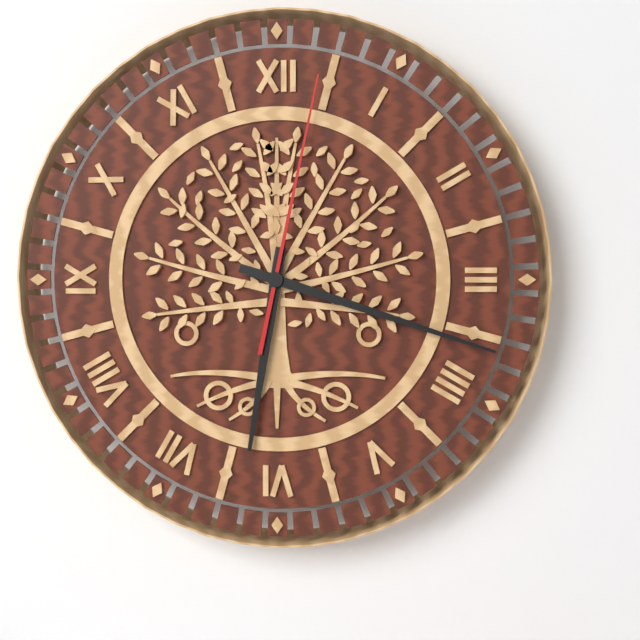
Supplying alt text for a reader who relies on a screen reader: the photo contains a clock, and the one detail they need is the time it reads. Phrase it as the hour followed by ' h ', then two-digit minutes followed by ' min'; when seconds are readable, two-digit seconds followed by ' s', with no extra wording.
6 h 18 min 02 s
